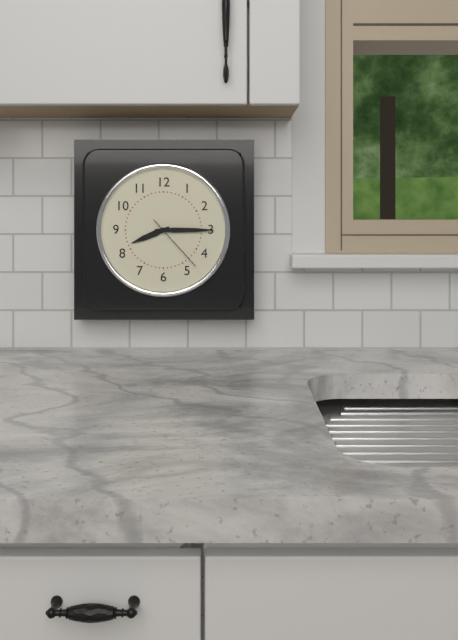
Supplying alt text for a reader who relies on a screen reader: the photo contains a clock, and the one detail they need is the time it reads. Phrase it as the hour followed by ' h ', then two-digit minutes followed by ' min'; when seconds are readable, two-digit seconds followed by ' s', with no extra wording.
8 h 15 min 23 s
